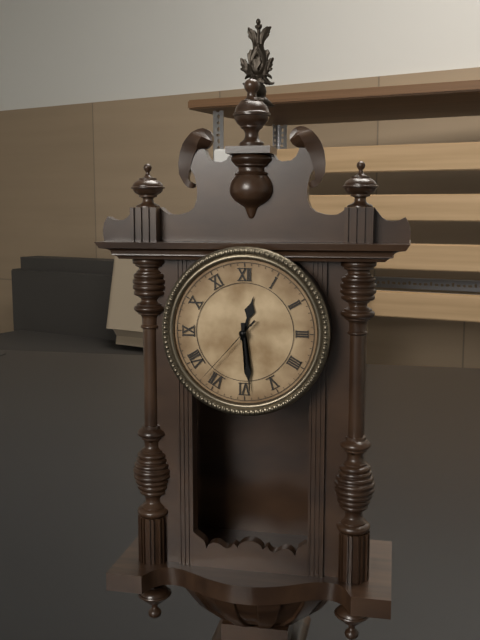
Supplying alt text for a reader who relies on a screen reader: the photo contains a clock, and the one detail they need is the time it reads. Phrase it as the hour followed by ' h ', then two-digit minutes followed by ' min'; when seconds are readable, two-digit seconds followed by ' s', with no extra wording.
12 h 29 min 37 s
